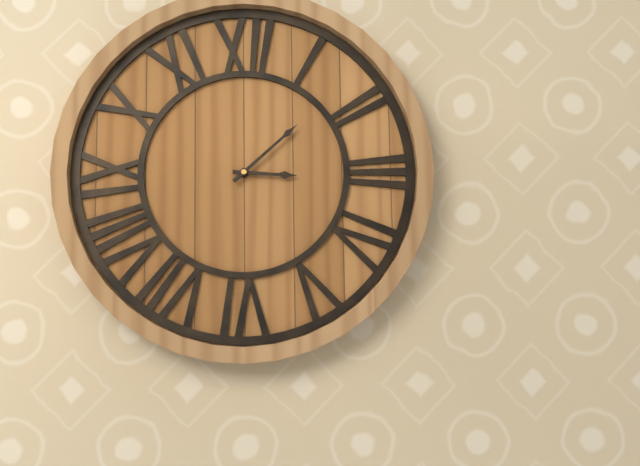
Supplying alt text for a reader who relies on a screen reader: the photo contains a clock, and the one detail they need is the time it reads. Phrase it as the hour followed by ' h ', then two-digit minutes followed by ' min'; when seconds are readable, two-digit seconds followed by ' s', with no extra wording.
3 h 08 min
